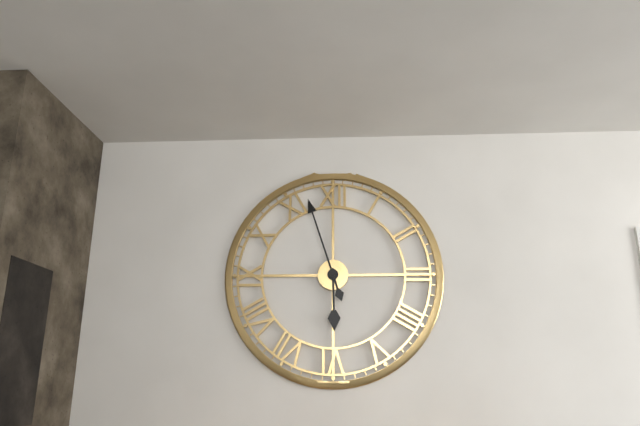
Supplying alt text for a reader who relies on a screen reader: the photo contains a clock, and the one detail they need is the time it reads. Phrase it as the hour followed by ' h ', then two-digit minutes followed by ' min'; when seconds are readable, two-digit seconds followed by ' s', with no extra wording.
5 h 57 min
